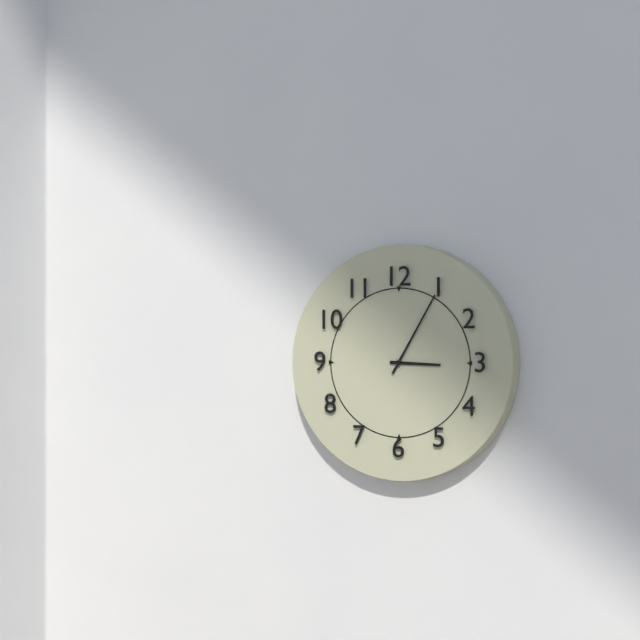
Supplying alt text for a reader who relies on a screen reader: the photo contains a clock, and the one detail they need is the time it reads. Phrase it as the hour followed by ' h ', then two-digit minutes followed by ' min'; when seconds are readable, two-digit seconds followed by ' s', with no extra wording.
3 h 05 min
